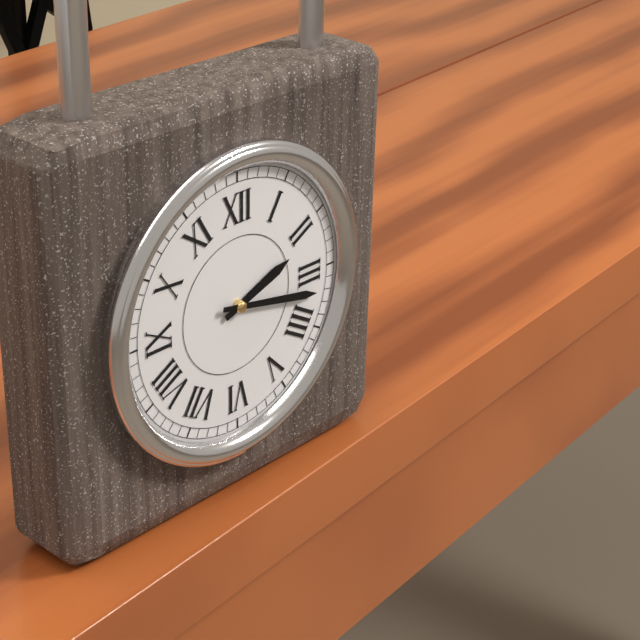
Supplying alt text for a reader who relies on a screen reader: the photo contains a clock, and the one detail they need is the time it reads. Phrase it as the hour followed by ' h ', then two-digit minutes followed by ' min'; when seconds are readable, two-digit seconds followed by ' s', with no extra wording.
2 h 17 min
